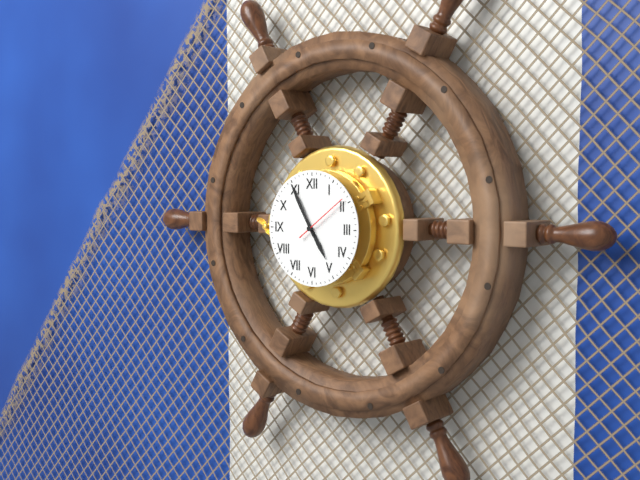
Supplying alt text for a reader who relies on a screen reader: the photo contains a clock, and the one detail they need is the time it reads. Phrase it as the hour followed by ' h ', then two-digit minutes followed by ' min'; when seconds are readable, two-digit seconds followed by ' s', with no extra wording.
4 h 55 min 09 s
